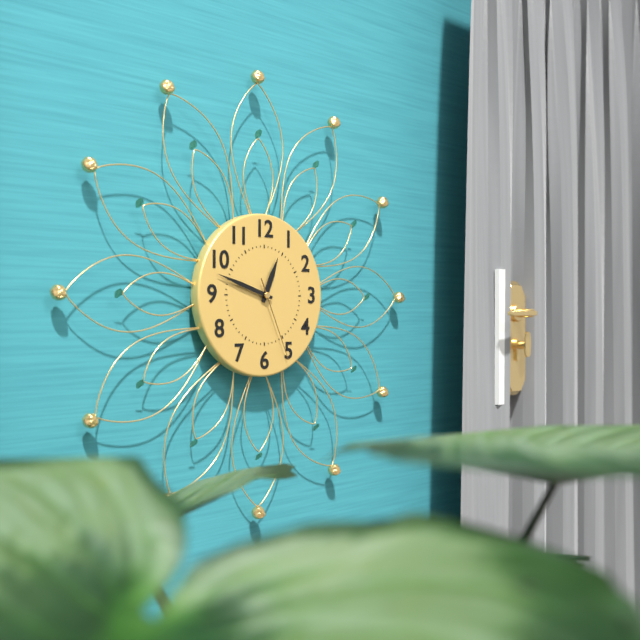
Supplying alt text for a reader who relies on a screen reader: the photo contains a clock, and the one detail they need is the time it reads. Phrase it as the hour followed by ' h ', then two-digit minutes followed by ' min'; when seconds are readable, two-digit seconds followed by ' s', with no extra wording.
12 h 48 min 26 s
